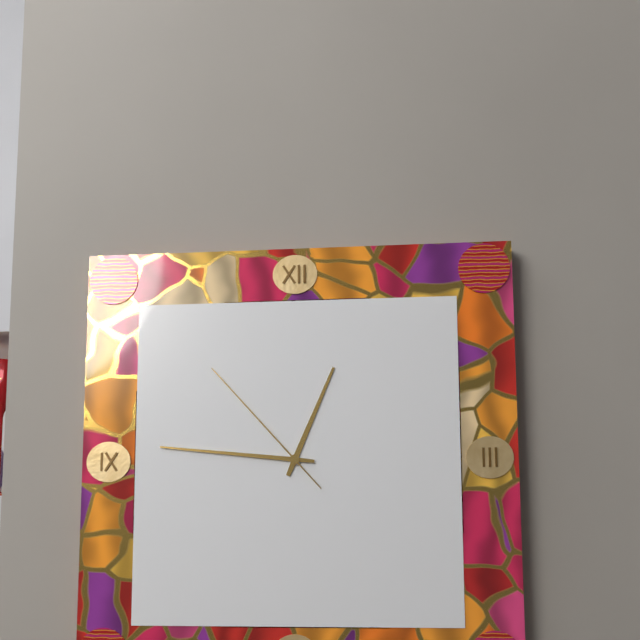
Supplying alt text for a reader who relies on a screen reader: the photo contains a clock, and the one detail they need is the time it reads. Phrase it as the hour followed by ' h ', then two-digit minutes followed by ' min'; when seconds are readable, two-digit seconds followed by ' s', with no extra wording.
12 h 46 min 53 s
